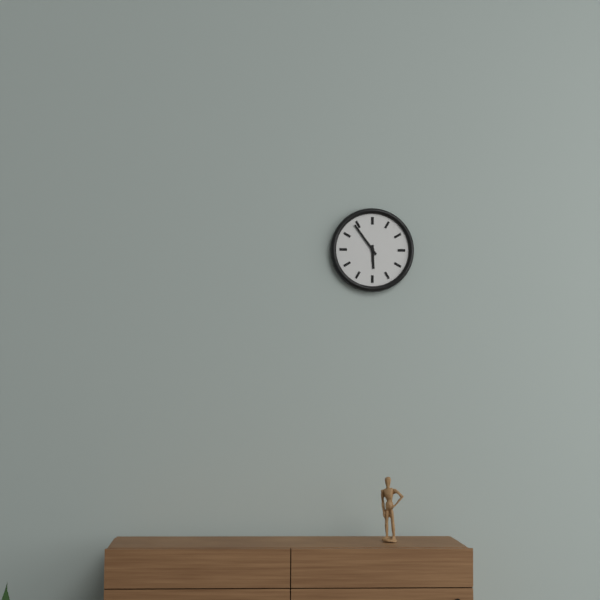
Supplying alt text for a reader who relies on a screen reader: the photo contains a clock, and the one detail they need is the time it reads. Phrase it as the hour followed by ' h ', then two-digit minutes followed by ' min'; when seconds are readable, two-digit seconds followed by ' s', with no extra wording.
5 h 54 min
